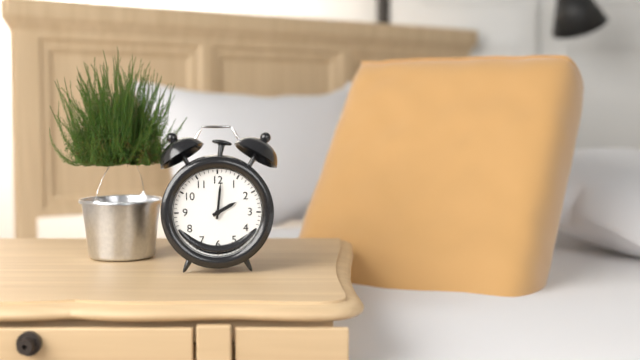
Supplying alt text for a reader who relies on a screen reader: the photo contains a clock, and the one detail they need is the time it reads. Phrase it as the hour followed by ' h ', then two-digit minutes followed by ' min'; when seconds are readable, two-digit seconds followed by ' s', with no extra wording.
2 h 01 min
